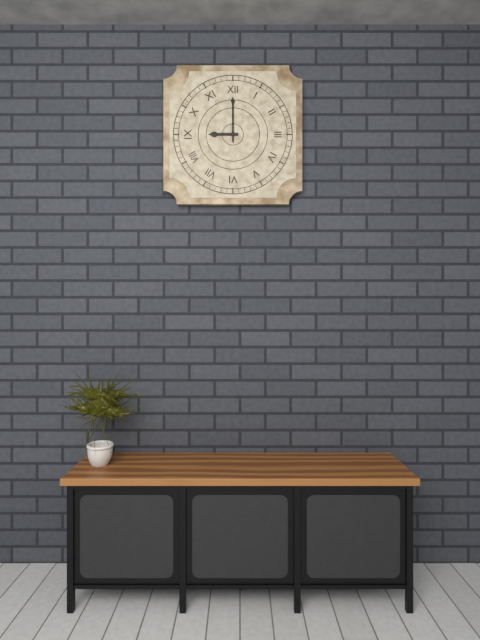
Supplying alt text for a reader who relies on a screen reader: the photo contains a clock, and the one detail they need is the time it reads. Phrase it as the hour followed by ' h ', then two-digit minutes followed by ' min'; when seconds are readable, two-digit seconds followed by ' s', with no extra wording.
9 h 00 min
